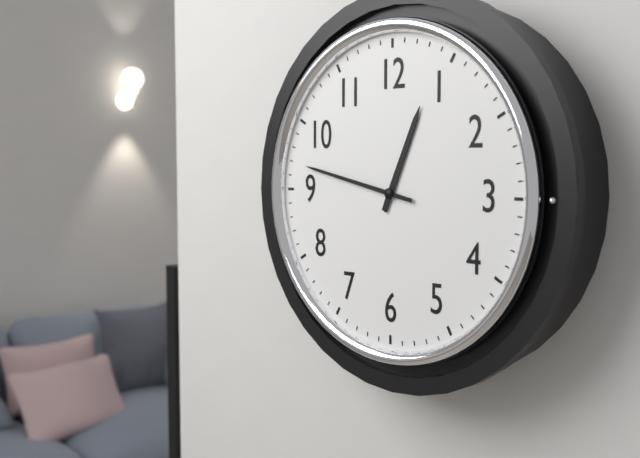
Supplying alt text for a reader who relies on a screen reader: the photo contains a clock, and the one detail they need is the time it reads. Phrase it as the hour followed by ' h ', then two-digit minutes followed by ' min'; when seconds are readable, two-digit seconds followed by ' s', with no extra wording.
12 h 47 min
